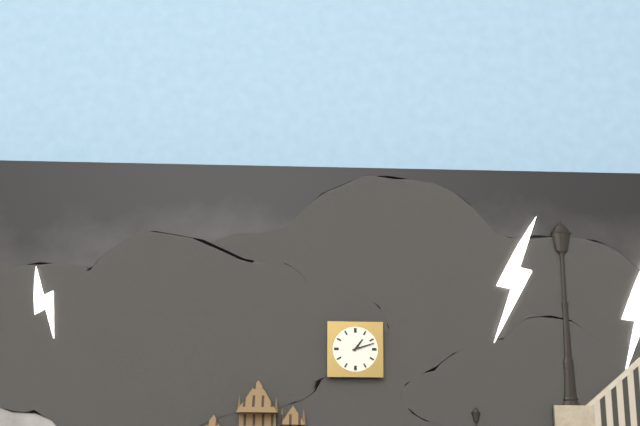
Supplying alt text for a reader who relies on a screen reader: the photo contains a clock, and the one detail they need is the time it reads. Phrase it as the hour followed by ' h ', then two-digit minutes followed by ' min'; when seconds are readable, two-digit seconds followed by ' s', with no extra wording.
1 h 12 min
